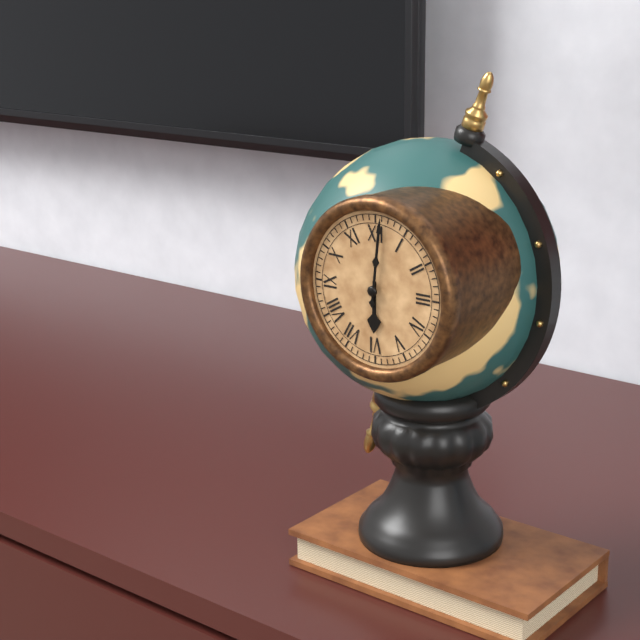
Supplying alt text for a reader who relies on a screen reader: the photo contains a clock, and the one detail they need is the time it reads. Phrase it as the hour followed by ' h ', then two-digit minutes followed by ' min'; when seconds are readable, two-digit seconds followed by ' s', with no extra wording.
6 h 01 min
